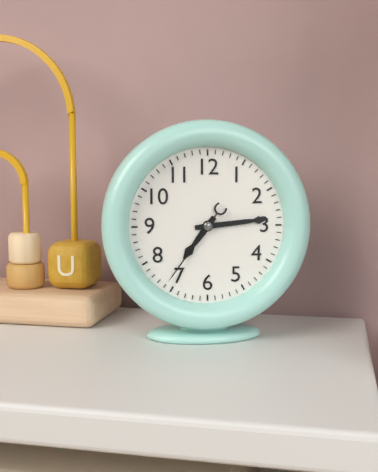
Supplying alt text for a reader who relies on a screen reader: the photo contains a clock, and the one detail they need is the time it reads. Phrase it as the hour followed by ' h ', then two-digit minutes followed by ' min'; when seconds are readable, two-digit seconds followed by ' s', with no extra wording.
7 h 14 min 36 s
